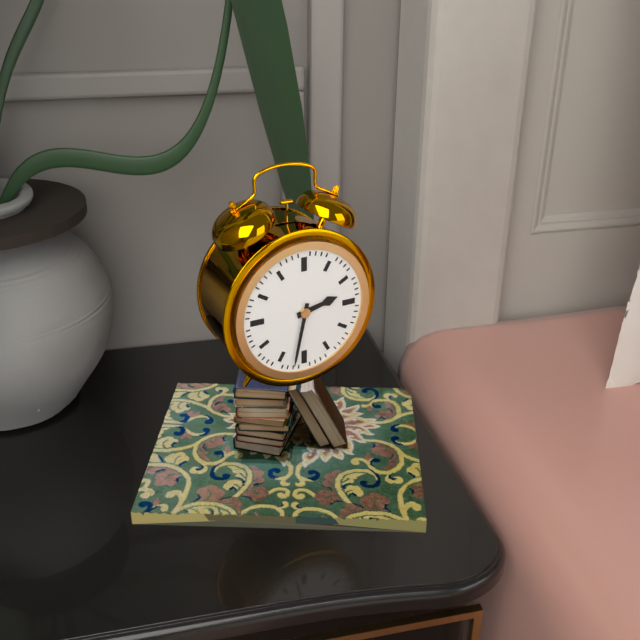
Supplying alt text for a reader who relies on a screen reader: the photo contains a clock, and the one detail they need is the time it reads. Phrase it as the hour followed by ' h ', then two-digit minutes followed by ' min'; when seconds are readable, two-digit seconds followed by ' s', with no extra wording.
2 h 32 min
